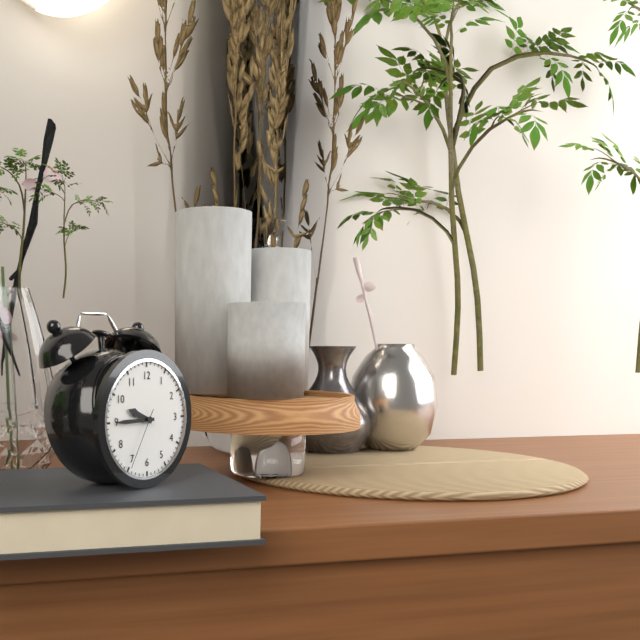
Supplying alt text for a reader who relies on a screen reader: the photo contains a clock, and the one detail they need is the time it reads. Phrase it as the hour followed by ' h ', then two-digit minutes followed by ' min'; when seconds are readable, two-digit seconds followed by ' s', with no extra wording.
9 h 45 min 35 s
